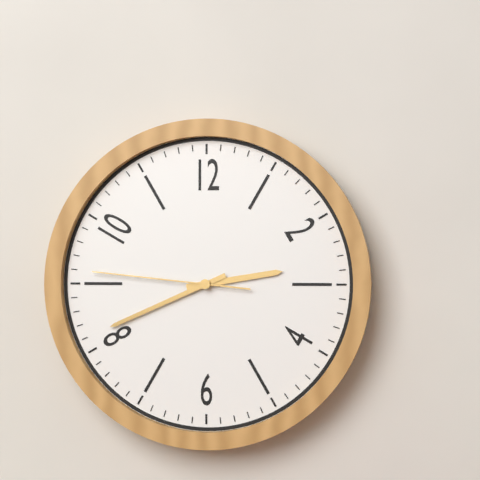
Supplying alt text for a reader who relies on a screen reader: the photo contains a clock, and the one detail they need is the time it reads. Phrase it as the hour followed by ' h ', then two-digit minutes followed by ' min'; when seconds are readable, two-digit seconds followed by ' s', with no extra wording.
2 h 41 min 46 s
